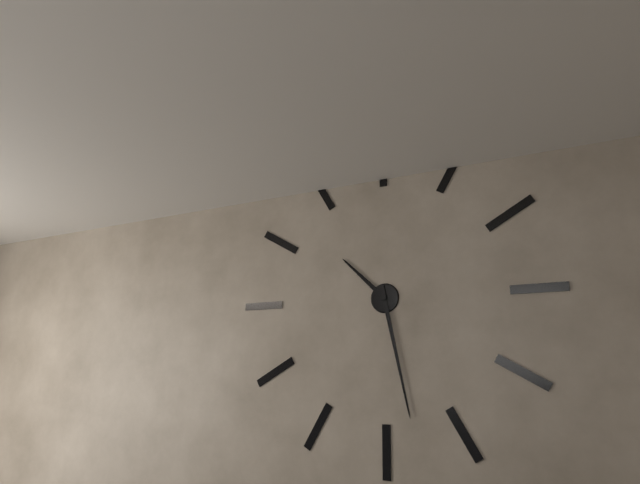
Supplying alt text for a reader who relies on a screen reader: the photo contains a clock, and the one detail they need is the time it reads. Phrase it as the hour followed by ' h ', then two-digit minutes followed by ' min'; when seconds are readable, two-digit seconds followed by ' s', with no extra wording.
10 h 28 min
